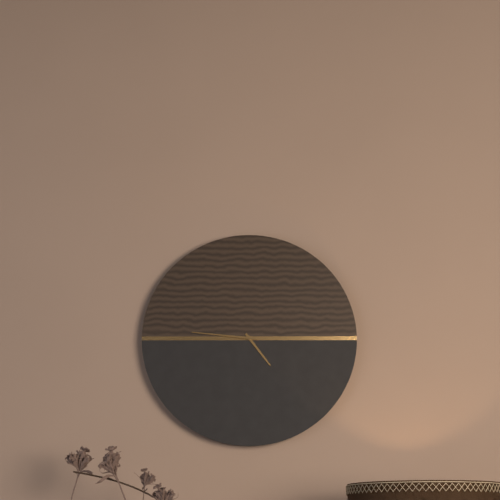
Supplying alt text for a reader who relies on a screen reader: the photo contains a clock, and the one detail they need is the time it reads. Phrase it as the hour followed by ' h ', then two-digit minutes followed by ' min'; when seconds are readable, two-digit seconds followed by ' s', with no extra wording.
4 h 46 min
